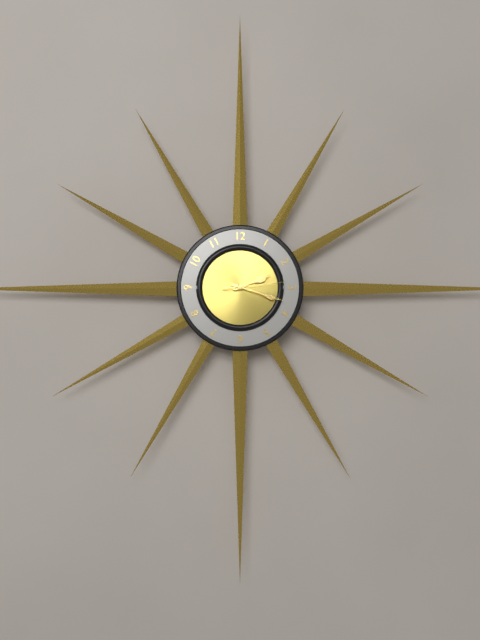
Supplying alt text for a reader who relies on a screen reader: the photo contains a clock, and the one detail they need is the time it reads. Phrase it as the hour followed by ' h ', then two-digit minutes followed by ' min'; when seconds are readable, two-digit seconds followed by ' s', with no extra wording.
2 h 18 min 14 s
